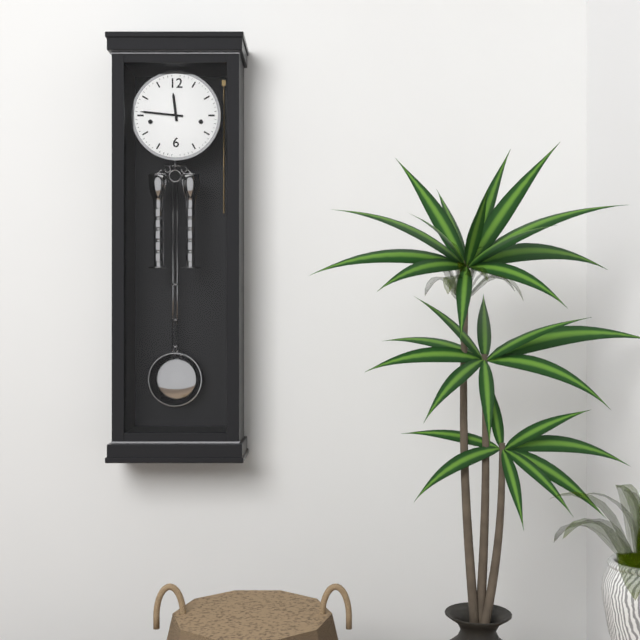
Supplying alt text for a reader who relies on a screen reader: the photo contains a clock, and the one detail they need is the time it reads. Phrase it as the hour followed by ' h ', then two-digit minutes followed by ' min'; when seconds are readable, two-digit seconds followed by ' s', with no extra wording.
11 h 46 min
